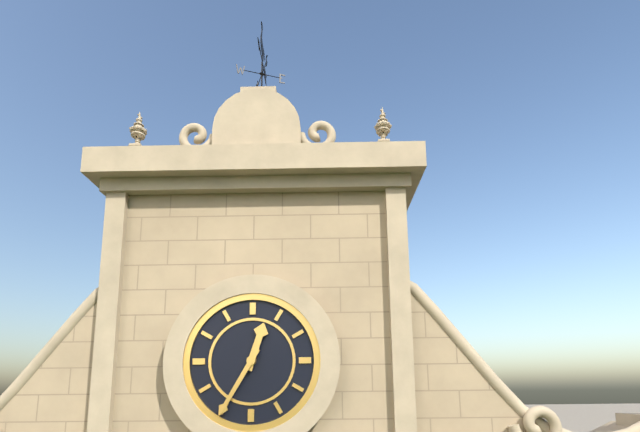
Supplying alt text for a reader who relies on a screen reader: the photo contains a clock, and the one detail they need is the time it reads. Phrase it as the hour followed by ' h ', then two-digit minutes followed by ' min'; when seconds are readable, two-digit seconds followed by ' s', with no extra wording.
12 h 35 min
